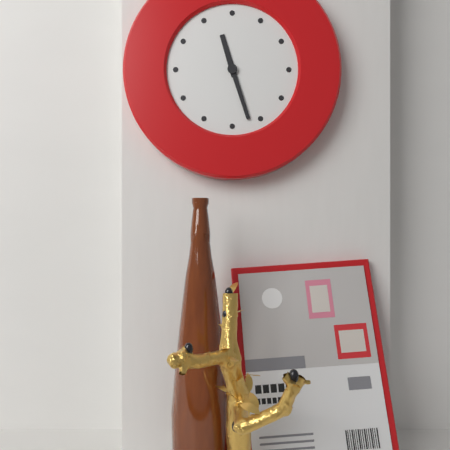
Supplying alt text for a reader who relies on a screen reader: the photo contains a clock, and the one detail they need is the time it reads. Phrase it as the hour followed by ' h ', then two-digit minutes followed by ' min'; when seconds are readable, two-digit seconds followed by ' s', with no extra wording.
11 h 27 min
